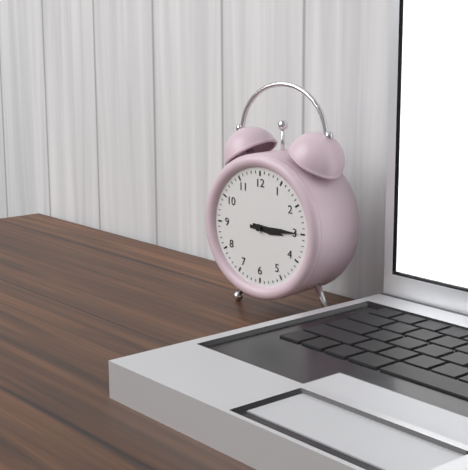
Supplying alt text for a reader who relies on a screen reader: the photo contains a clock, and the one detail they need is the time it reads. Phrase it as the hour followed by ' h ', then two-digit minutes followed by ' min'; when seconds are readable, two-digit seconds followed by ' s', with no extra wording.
3 h 15 min
